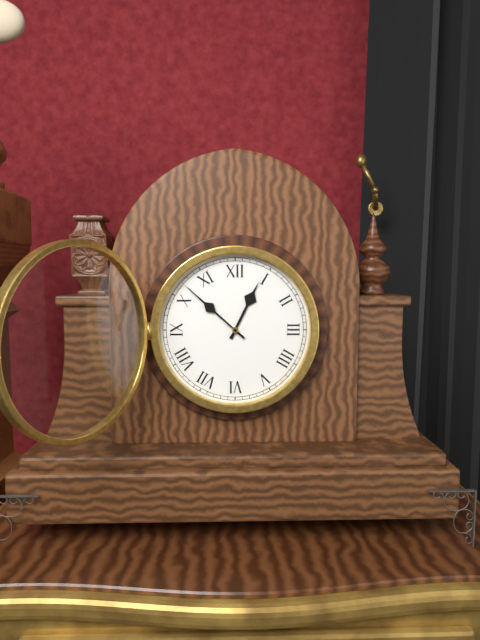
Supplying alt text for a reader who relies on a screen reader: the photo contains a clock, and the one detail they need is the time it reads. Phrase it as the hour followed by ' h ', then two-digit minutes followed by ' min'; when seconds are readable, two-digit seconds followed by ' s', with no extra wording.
12 h 52 min
